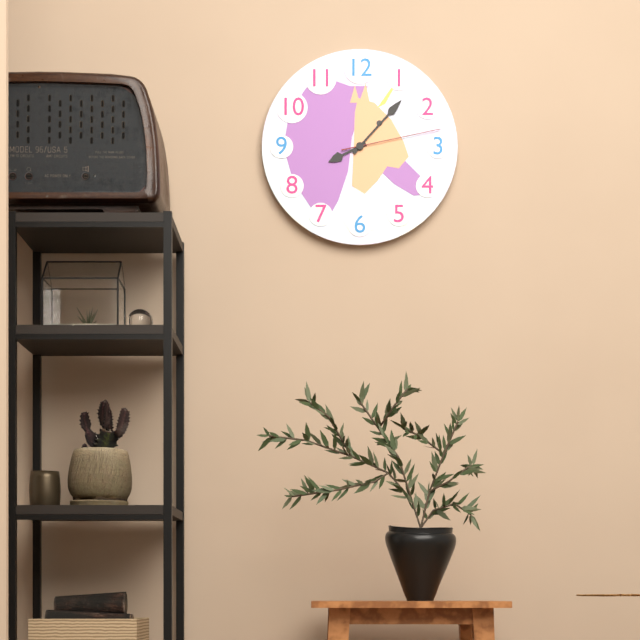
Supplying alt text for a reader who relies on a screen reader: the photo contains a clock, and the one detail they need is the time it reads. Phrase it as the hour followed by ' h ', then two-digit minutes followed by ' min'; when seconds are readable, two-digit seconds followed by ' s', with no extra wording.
8 h 07 min 13 s
